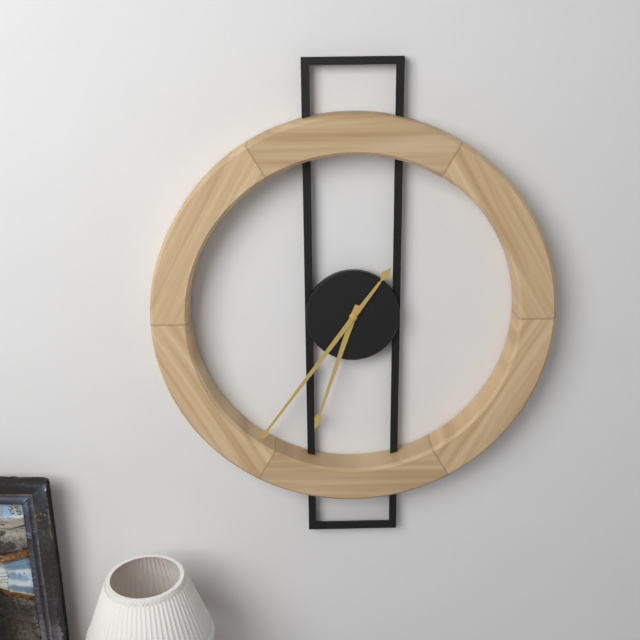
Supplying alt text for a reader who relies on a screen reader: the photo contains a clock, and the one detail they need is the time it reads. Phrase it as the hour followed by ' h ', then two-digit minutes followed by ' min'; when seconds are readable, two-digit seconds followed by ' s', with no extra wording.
6 h 36 min
